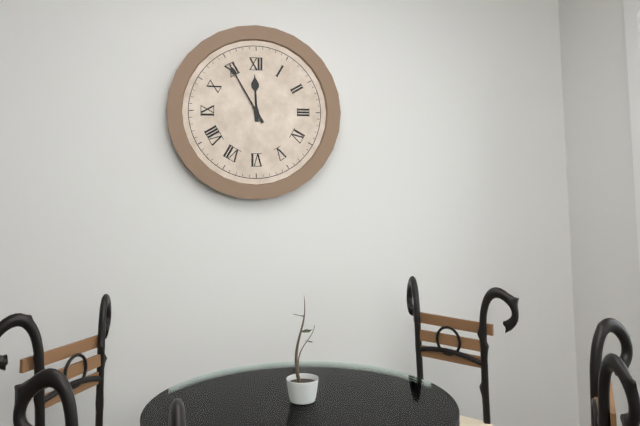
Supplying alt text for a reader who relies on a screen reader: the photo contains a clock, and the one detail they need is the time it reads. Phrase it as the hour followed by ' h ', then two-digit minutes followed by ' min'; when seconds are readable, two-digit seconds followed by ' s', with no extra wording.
11 h 55 min
